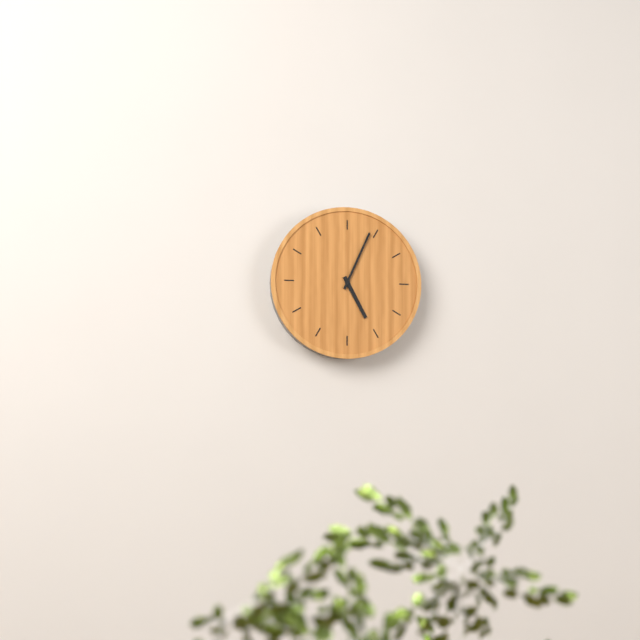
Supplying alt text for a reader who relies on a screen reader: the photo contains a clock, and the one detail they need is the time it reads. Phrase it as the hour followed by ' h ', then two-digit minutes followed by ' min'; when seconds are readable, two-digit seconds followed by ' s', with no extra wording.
5 h 04 min
